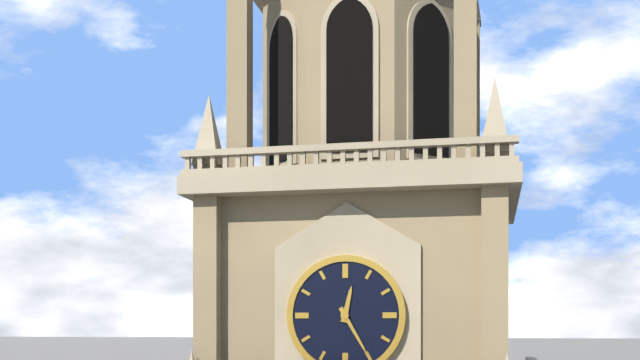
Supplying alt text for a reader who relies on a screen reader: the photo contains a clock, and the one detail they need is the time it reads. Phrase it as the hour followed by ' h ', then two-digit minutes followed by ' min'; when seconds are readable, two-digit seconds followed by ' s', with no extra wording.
12 h 25 min
